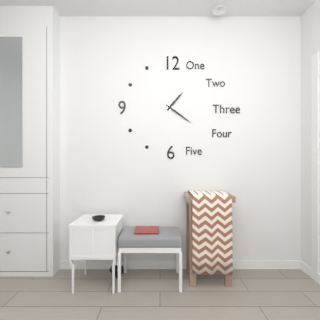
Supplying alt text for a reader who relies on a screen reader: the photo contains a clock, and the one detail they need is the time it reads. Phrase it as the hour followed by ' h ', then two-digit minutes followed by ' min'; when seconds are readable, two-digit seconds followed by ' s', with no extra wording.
1 h 21 min
